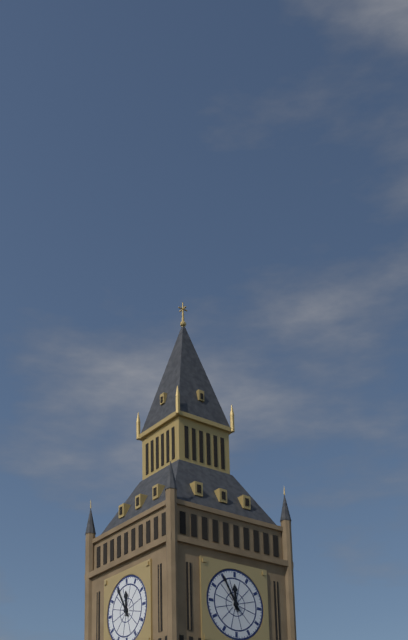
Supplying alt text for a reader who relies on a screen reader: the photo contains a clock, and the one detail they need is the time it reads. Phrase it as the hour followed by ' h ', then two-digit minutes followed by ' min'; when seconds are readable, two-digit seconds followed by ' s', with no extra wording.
11 h 55 min
